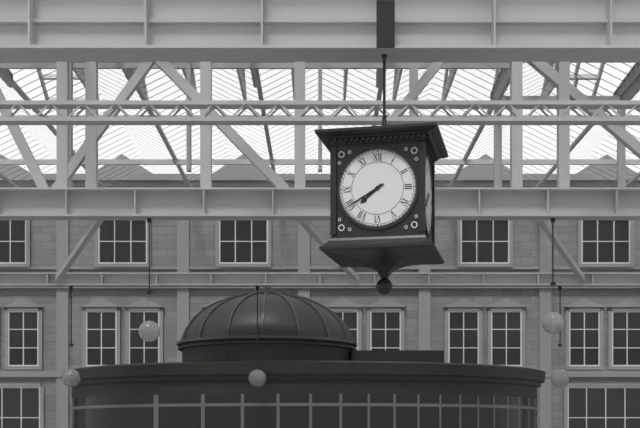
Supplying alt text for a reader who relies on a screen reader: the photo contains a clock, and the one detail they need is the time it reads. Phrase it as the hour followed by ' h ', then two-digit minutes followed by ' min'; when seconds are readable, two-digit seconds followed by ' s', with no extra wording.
7 h 40 min
